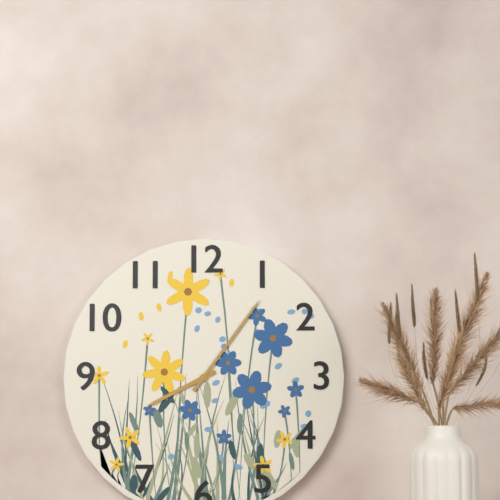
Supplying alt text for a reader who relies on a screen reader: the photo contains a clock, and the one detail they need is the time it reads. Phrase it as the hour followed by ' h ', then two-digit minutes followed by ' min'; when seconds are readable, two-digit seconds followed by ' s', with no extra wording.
8 h 06 min
